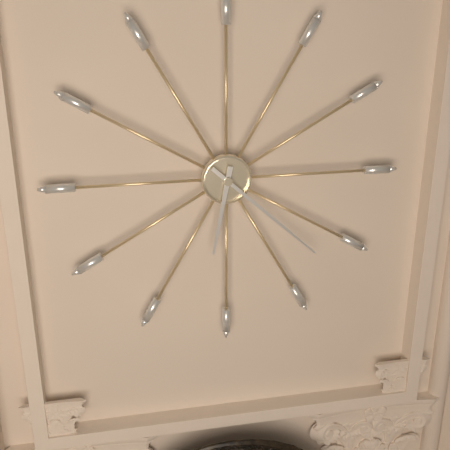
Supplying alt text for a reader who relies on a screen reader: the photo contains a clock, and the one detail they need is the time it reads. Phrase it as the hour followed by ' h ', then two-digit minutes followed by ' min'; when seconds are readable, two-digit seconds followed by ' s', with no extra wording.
6 h 22 min
